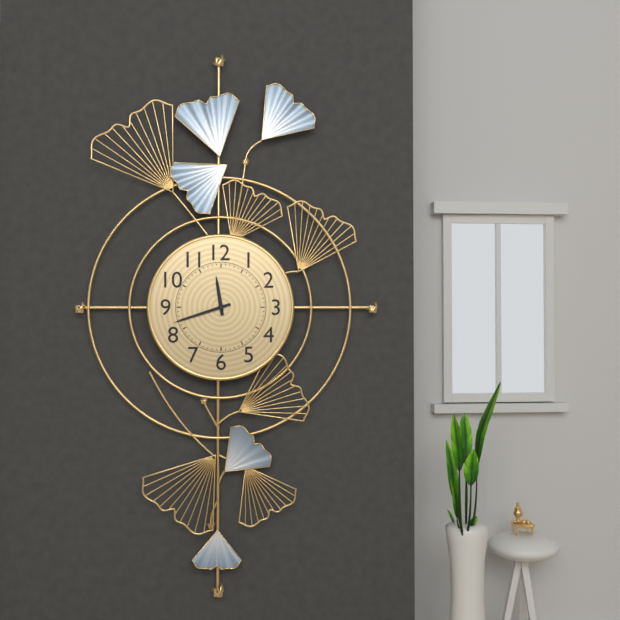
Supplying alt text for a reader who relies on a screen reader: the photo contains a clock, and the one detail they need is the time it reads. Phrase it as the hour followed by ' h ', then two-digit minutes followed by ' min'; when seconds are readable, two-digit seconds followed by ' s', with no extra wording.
11 h 42 min
